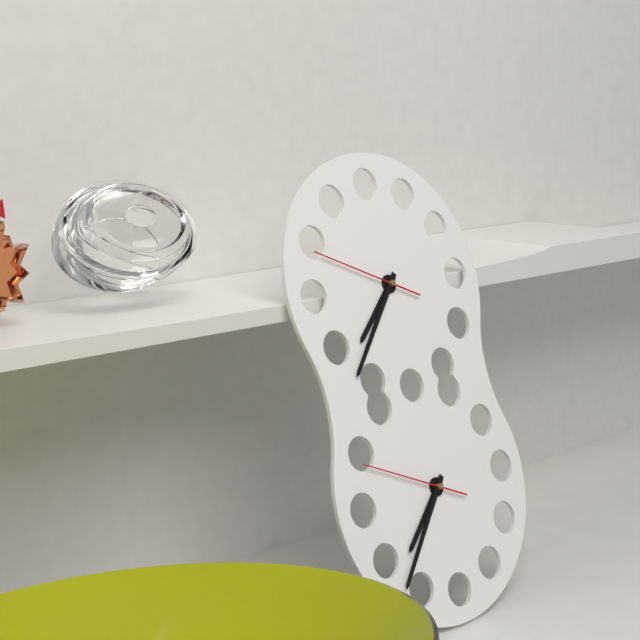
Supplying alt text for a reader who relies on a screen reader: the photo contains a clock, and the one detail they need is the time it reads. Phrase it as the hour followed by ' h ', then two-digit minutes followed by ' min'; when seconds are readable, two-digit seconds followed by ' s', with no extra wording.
7 h 37 min 49 s
